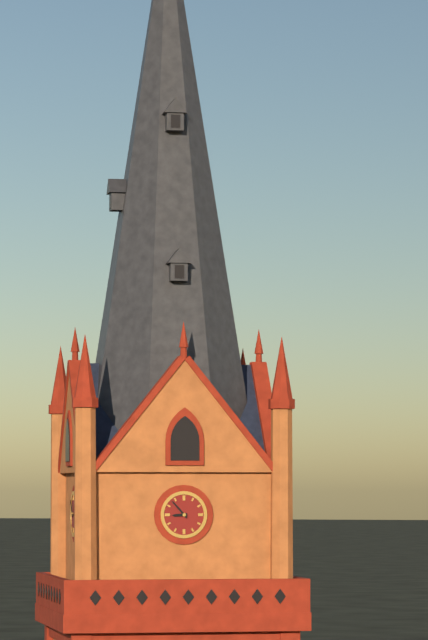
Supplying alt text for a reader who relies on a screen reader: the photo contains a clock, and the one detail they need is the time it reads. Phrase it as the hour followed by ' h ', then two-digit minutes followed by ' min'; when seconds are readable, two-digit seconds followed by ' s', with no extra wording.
8 h 53 min
